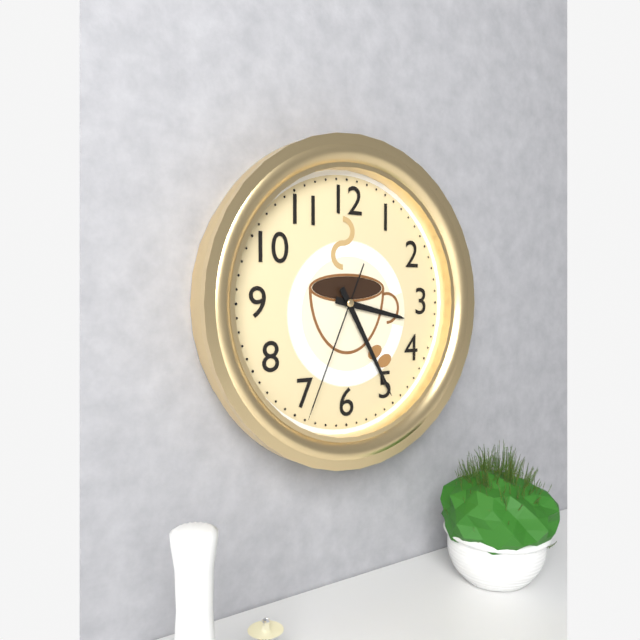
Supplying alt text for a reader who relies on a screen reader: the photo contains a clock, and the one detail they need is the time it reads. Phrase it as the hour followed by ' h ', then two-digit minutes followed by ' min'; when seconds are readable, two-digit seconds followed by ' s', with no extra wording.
3 h 25 min 34 s
